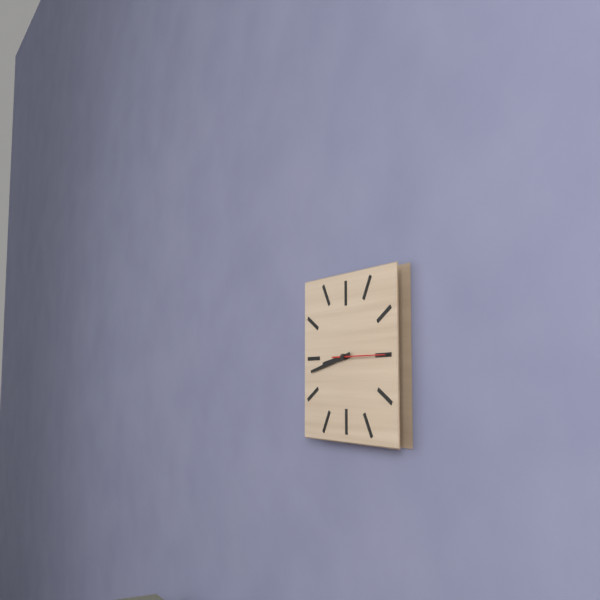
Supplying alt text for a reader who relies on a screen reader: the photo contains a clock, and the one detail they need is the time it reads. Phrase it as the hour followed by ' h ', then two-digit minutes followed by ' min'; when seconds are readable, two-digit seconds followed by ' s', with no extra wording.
8 h 43 min 15 s
